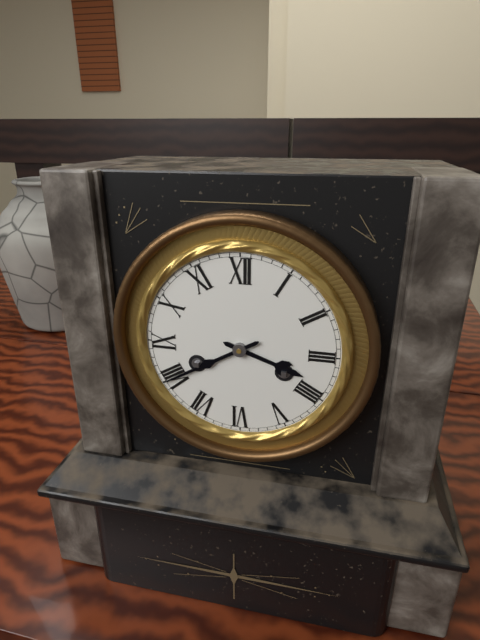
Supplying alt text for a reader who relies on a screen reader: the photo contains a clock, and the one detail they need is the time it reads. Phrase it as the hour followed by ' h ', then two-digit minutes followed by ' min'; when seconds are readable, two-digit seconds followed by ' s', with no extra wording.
3 h 40 min
